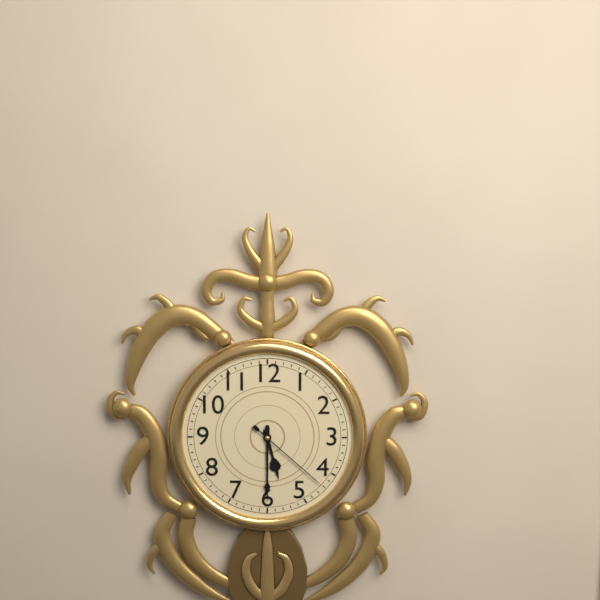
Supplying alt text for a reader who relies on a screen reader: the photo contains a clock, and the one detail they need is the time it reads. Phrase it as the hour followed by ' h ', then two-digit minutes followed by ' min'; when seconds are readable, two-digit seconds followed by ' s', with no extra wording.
5 h 30 min 22 s
